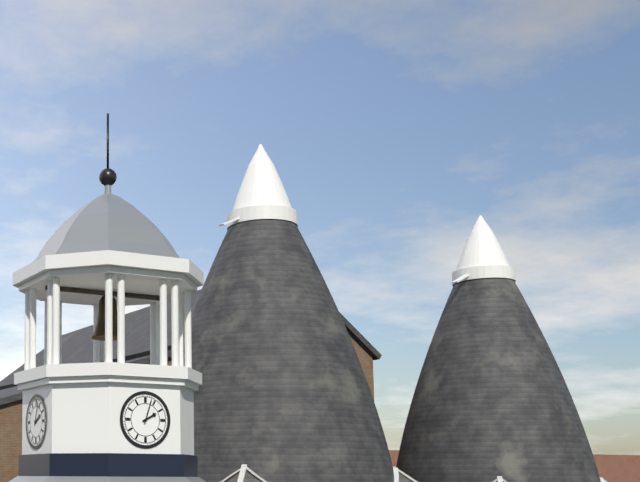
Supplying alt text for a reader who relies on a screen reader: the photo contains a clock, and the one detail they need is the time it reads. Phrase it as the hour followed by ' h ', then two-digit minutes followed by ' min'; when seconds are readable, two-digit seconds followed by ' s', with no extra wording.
2 h 03 min
